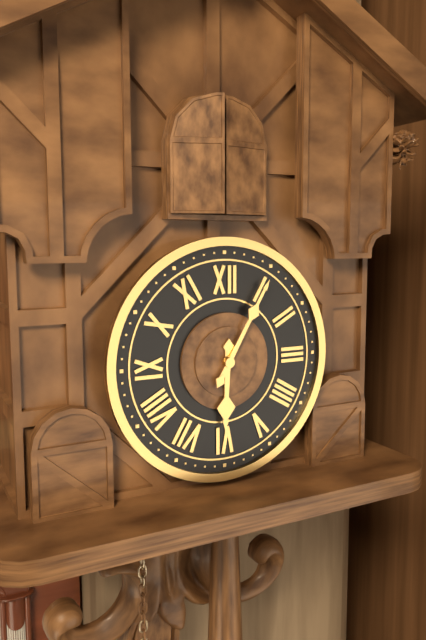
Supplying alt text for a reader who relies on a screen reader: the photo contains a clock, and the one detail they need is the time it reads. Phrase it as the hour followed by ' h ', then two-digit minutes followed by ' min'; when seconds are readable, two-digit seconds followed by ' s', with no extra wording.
6 h 05 min
